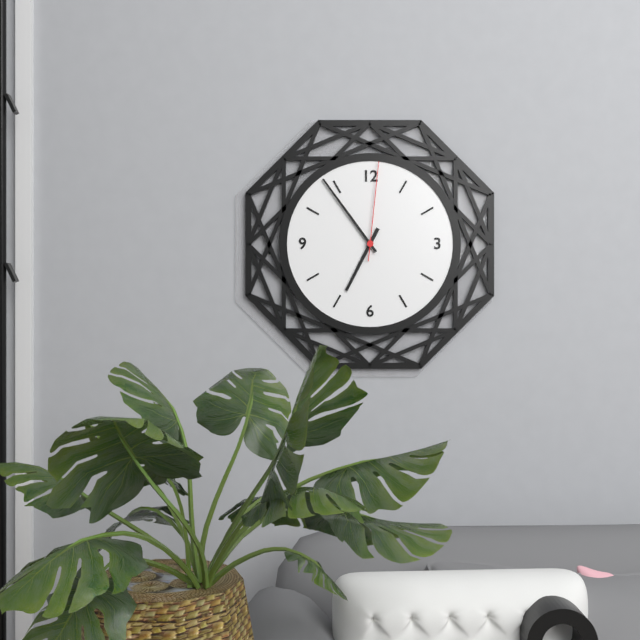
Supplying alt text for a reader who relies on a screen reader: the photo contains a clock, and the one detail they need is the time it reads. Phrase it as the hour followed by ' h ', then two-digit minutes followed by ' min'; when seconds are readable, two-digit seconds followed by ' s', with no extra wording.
6 h 54 min 01 s
